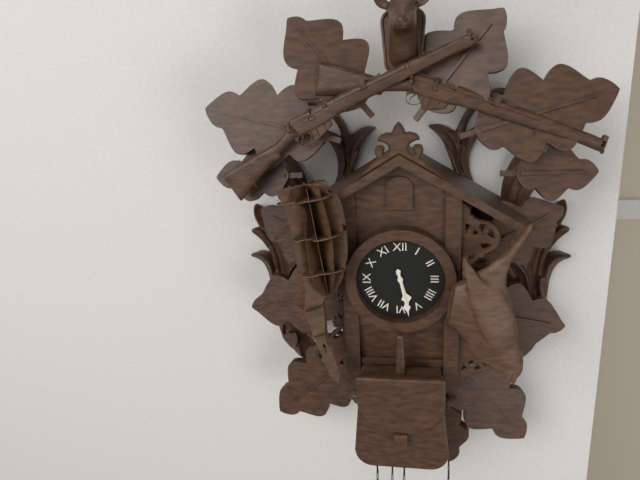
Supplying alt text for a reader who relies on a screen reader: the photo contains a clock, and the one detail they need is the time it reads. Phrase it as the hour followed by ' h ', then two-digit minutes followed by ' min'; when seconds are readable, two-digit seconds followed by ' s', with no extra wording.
5 h 28 min
